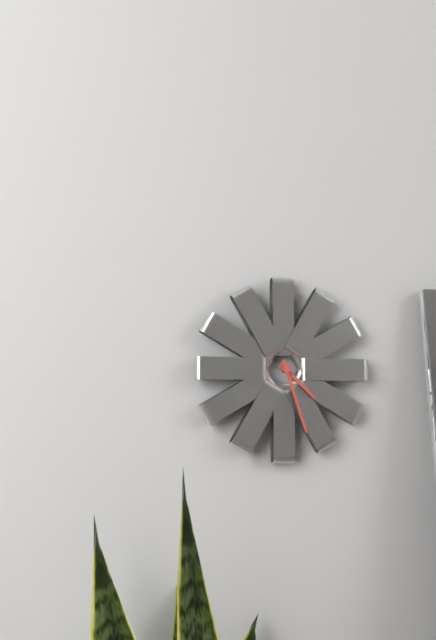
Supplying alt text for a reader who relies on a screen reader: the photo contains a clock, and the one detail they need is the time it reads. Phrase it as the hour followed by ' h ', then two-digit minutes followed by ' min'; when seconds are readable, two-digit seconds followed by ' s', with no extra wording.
4 h 27 min
